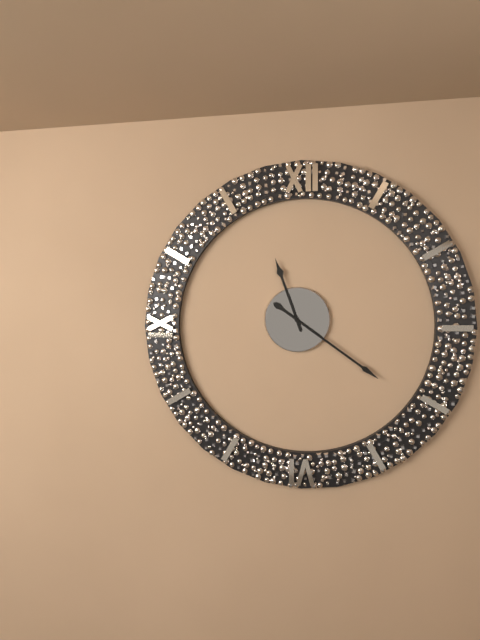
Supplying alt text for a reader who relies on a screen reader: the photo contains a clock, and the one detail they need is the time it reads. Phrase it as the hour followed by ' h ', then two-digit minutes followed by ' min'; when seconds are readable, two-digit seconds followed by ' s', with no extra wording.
11 h 21 min
